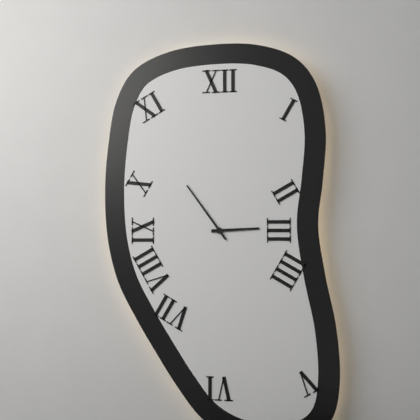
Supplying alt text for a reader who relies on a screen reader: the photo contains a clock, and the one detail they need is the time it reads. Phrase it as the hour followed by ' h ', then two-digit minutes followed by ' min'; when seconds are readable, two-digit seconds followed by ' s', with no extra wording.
2 h 54 min
